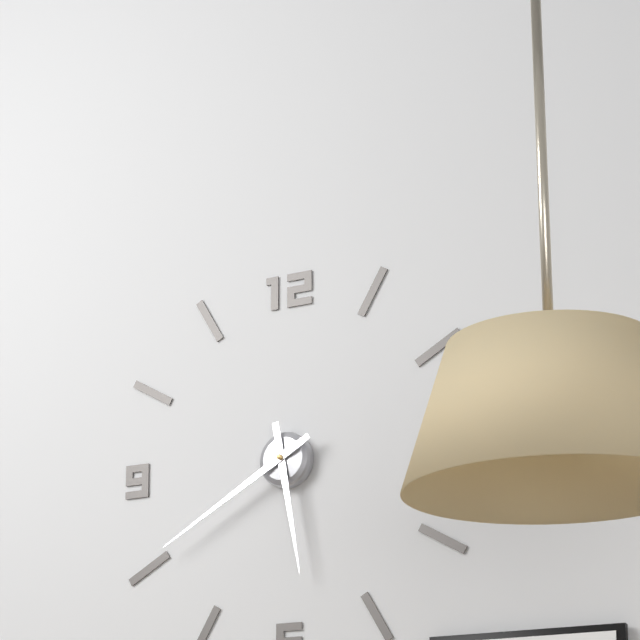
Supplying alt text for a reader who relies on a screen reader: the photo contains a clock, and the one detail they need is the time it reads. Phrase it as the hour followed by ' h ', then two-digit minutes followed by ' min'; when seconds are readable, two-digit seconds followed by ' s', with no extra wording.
5 h 40 min
